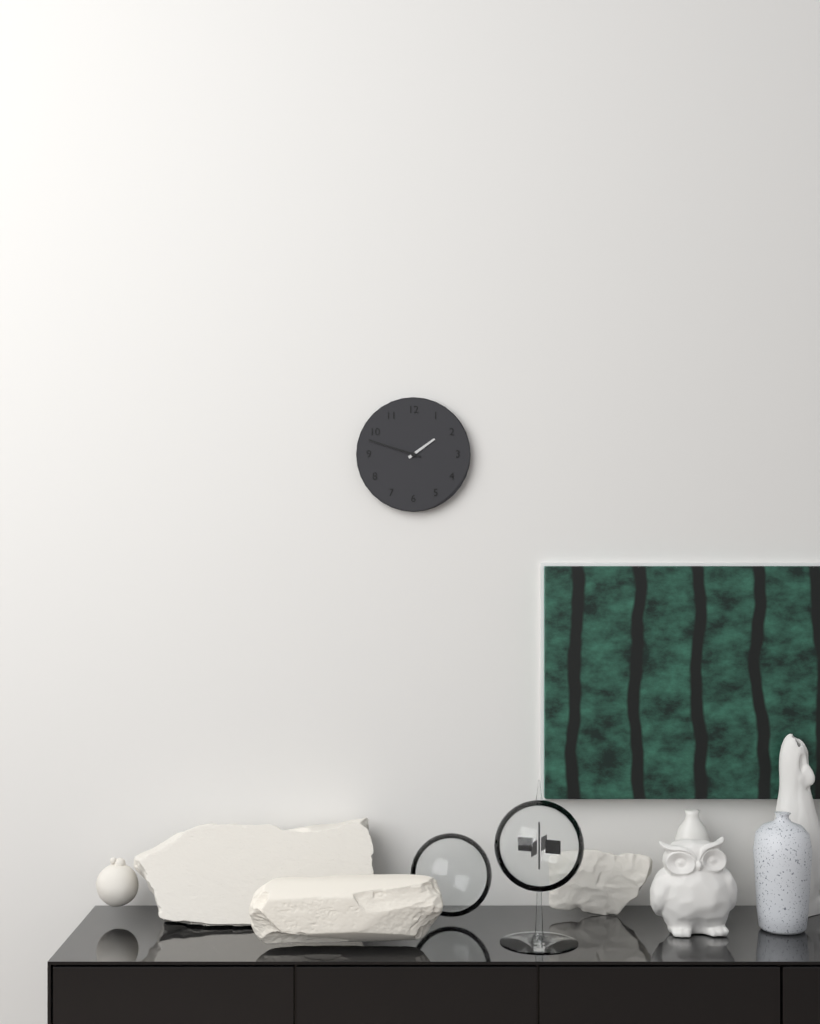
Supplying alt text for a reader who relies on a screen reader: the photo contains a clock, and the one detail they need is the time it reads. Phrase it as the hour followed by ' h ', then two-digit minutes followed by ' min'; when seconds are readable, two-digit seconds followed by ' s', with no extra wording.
1 h 48 min
